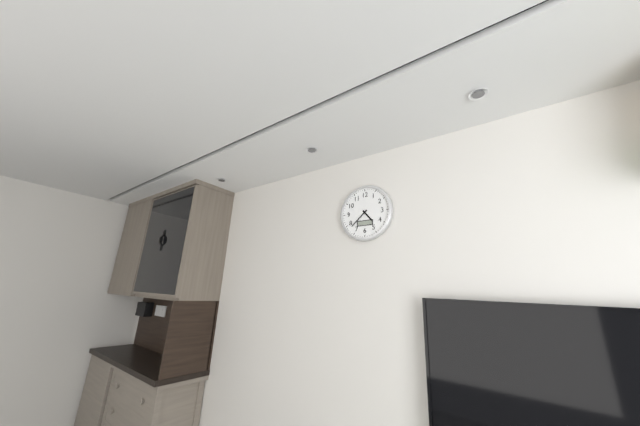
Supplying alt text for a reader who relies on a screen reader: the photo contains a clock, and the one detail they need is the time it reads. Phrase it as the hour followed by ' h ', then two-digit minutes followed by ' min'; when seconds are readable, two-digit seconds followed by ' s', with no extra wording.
4 h 38 min
